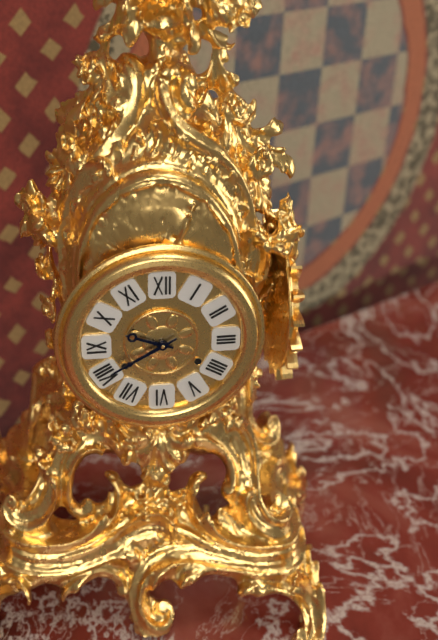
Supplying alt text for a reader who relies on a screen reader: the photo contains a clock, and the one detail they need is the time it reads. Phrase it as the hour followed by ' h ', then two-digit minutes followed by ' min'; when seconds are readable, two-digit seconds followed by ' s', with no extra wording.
9 h 40 min
